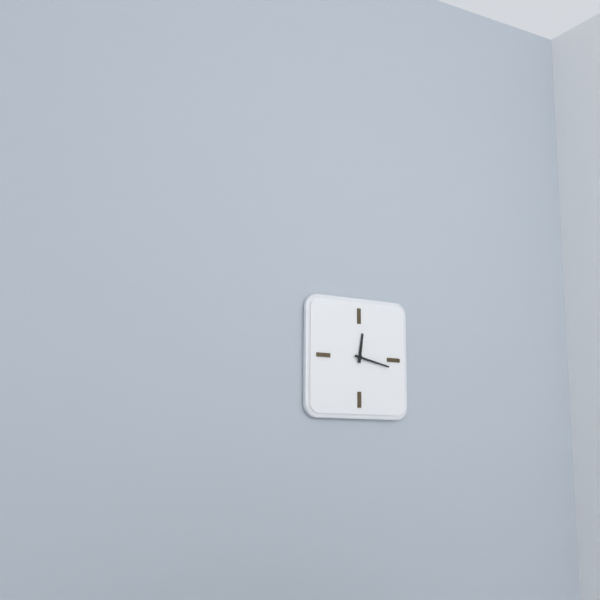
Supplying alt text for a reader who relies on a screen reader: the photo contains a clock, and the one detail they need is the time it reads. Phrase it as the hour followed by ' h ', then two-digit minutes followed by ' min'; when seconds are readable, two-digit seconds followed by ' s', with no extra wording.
12 h 17 min
